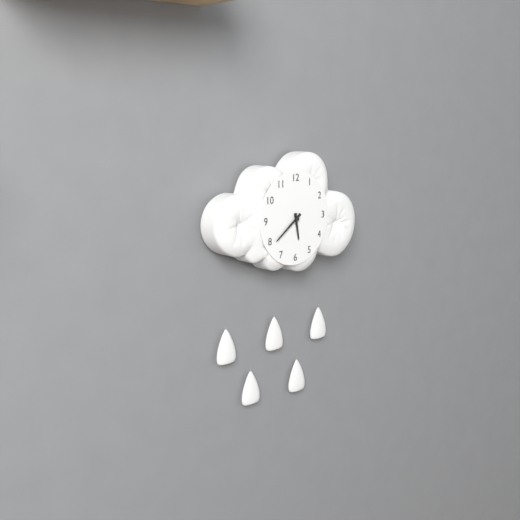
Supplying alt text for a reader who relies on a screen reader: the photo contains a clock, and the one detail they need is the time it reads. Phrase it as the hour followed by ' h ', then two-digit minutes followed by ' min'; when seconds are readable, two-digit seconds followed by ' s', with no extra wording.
5 h 39 min
